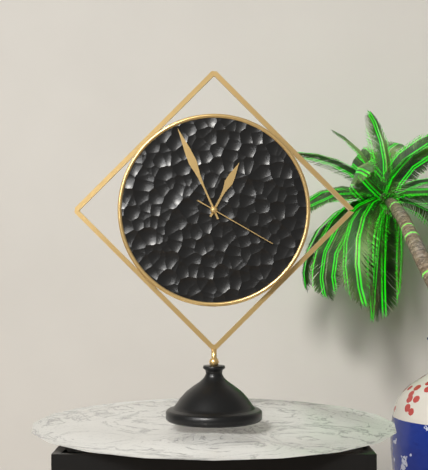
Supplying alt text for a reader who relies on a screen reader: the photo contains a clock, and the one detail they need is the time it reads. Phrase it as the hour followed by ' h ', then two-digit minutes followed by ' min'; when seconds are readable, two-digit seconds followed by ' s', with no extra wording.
12 h 56 min 20 s
